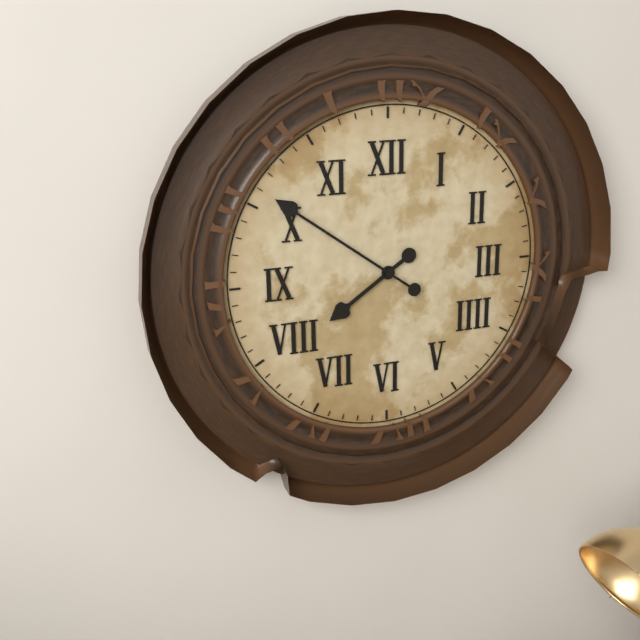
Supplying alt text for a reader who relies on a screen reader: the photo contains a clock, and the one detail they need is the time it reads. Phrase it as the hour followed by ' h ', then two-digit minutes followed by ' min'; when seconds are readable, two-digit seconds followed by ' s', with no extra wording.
7 h 51 min
